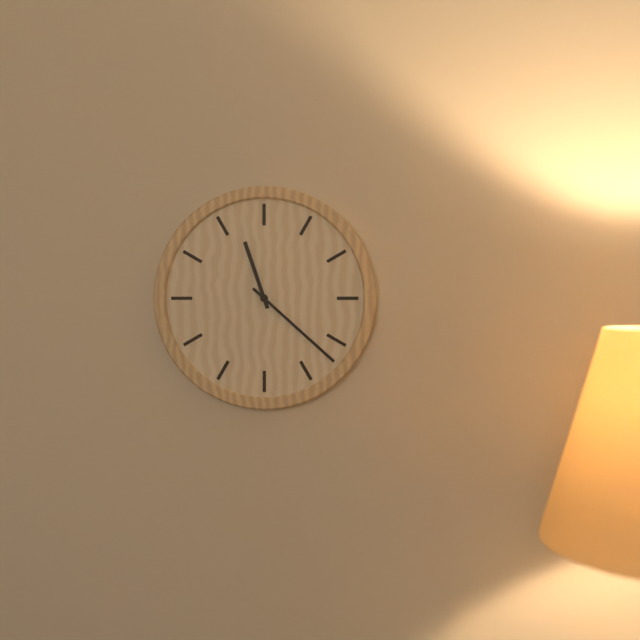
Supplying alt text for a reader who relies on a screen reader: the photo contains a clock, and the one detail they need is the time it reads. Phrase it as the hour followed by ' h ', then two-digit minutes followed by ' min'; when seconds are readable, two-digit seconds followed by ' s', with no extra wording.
11 h 22 min
